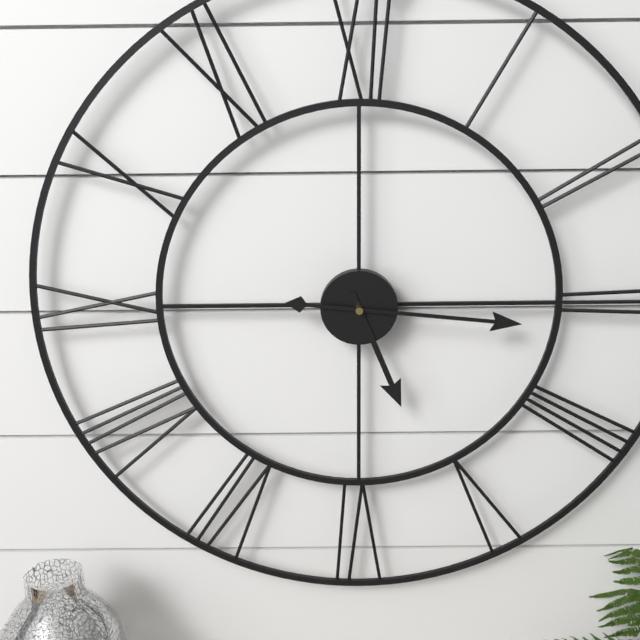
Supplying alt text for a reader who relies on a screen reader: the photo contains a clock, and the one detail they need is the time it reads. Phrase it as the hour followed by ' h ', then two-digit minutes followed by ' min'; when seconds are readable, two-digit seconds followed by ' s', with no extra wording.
5 h 16 min
